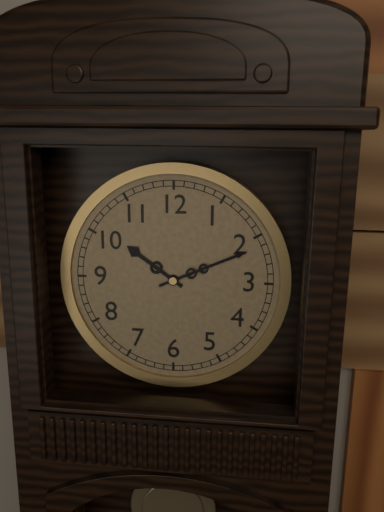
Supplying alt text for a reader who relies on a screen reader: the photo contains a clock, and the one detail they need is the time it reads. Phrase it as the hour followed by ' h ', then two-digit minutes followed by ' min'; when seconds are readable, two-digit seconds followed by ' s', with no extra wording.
10 h 11 min
